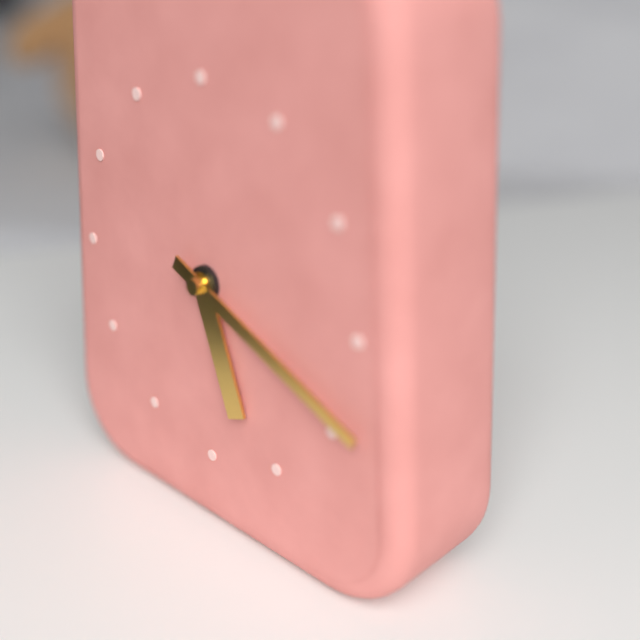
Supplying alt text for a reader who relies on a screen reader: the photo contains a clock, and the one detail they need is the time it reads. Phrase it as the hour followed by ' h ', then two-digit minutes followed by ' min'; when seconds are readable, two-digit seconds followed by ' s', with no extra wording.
5 h 19 min
